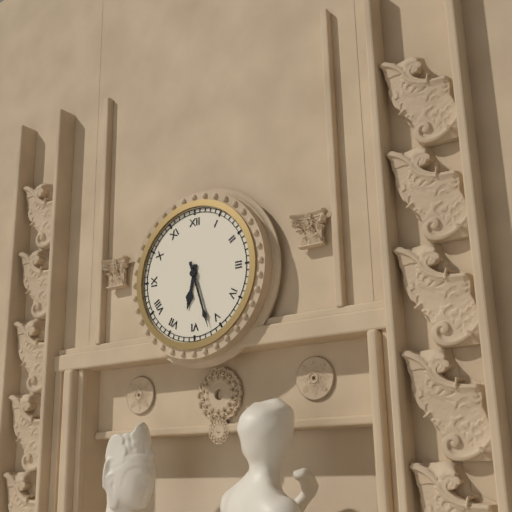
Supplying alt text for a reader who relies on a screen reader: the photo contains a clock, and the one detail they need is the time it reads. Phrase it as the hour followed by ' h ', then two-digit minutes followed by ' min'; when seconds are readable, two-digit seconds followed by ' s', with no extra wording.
6 h 27 min
